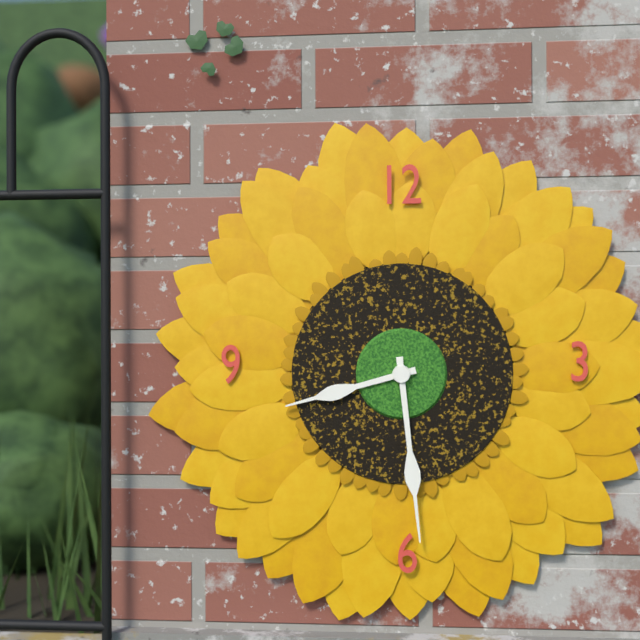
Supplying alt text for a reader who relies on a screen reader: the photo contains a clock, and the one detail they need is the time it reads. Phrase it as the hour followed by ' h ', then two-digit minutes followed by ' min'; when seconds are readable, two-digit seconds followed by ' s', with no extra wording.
8 h 29 min
